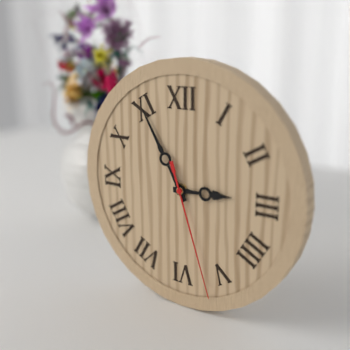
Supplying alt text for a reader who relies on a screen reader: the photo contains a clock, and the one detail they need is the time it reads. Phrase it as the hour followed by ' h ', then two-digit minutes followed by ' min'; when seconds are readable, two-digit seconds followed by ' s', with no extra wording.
2 h 55 min 27 s
